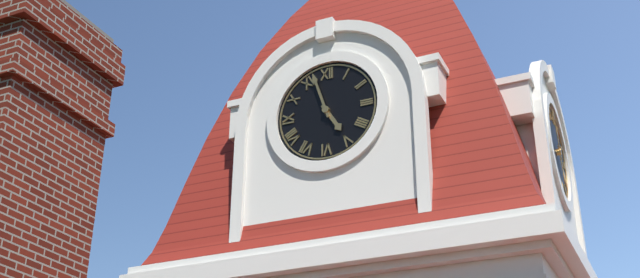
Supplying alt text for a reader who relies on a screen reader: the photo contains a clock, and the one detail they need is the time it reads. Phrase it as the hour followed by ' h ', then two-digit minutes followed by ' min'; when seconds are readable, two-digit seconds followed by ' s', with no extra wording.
4 h 57 min
